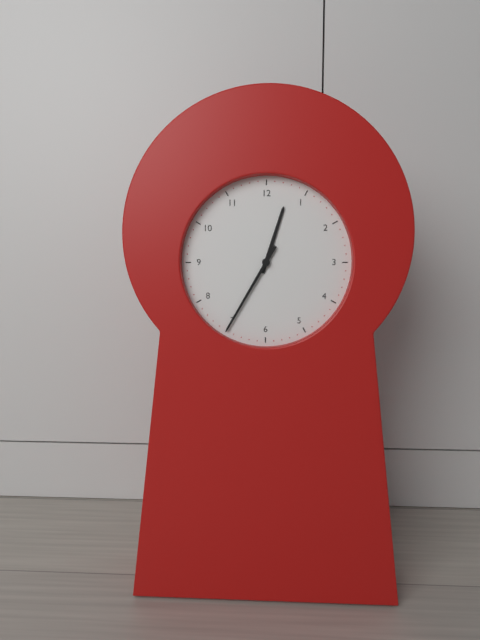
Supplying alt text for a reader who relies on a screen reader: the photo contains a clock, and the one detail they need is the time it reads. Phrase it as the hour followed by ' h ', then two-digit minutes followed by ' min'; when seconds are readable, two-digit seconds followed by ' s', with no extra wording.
12 h 35 min
